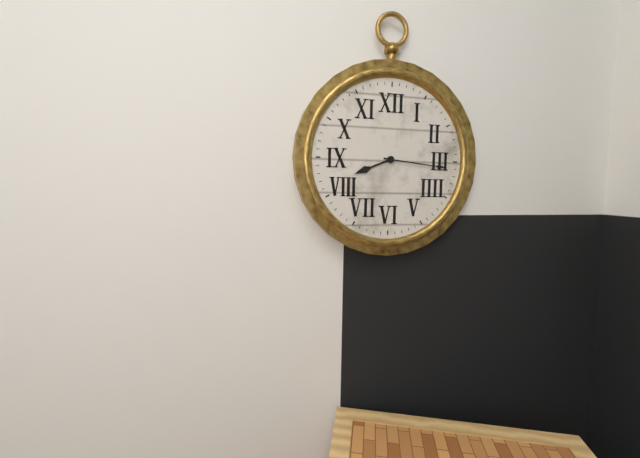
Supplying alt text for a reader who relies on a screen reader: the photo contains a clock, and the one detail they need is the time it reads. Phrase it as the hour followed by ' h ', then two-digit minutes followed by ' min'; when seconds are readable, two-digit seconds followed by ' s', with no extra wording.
8 h 16 min
